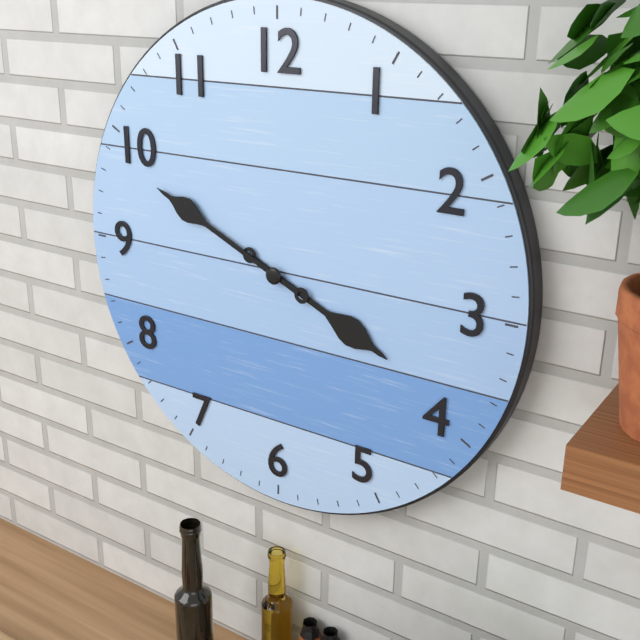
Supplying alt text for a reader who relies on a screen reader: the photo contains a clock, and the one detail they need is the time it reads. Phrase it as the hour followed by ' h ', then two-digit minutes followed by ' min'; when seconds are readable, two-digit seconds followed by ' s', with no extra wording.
3 h 49 min
